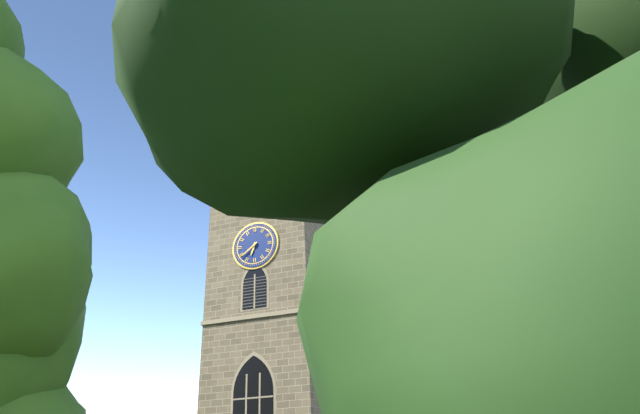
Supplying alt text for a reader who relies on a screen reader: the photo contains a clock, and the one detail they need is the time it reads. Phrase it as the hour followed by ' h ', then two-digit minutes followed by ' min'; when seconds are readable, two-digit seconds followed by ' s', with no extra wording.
6 h 39 min
